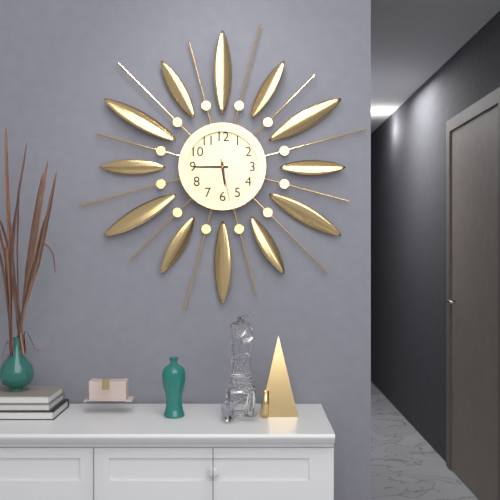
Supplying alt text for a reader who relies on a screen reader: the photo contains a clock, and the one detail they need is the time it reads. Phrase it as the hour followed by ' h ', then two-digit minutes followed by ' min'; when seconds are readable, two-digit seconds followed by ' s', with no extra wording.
5 h 45 min
